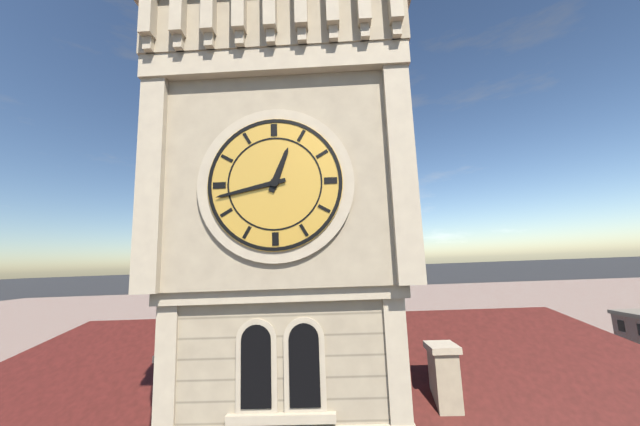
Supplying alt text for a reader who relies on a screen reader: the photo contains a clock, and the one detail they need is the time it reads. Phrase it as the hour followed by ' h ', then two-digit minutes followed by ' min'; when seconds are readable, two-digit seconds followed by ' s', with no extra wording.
12 h 43 min
